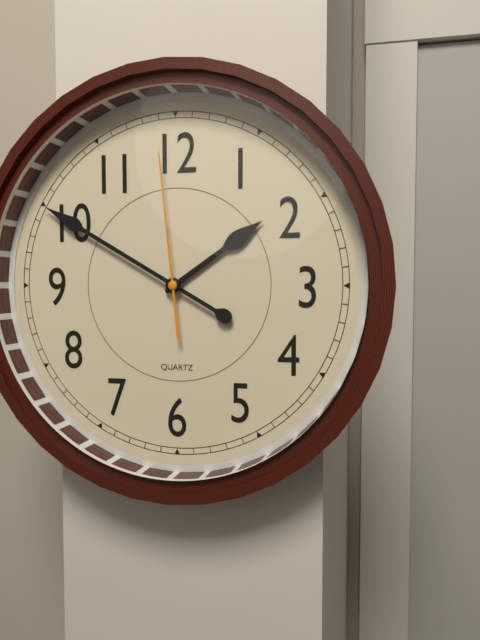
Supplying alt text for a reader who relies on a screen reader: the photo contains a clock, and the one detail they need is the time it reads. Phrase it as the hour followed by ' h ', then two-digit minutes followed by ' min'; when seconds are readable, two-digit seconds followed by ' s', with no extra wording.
1 h 50 min 59 s
